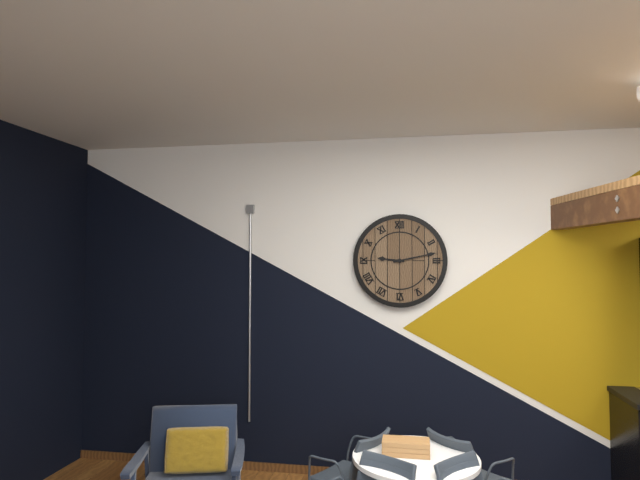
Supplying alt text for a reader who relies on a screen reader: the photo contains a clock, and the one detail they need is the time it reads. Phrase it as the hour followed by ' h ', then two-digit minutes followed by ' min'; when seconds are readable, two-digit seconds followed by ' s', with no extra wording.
9 h 13 min
